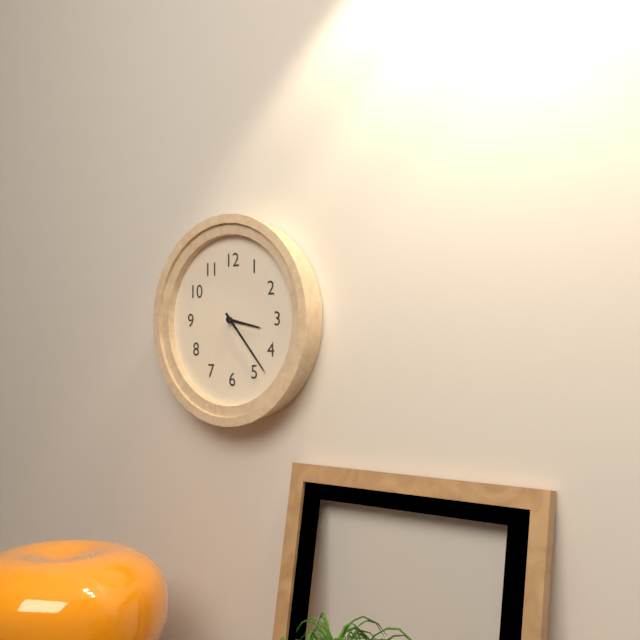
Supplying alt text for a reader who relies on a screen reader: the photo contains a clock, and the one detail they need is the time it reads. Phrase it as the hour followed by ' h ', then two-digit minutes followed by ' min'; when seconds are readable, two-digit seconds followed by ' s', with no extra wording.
3 h 23 min
